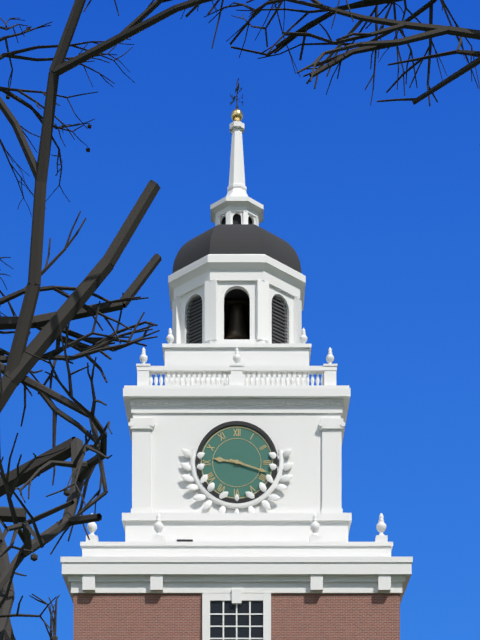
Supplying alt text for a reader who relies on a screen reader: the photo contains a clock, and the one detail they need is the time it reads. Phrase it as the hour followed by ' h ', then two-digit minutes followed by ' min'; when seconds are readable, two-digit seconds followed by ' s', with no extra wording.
9 h 18 min
